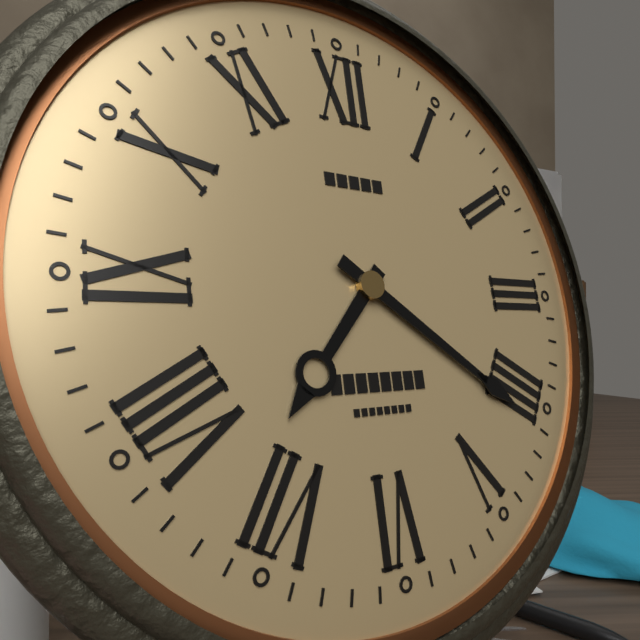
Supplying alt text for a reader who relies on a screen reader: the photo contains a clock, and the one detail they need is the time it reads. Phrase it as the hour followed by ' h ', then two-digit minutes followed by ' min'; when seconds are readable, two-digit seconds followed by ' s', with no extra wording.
7 h 21 min
